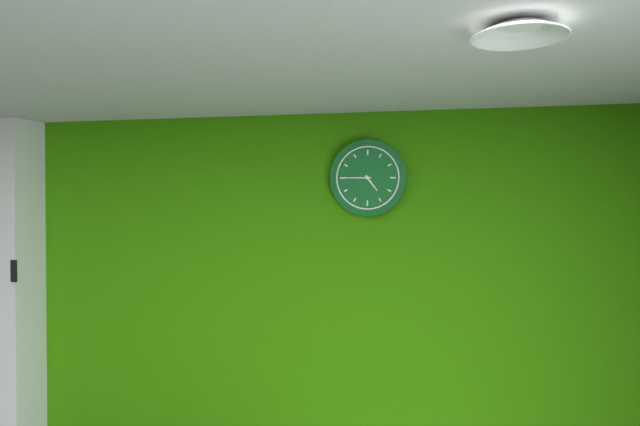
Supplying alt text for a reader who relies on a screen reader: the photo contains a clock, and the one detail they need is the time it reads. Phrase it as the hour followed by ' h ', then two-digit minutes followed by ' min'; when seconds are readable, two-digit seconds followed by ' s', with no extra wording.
4 h 45 min
